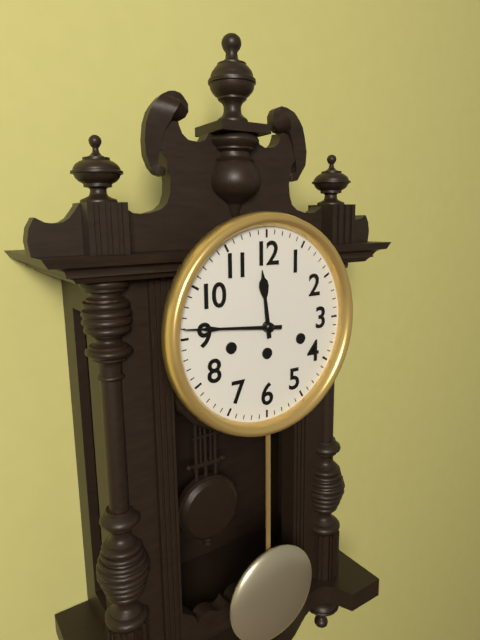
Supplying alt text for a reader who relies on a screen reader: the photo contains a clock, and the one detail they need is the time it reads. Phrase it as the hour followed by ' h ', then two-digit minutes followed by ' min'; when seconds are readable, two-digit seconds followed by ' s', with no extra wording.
11 h 46 min
